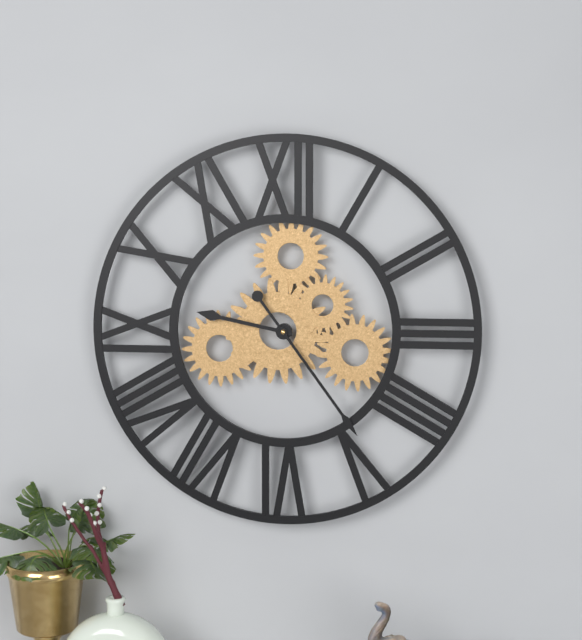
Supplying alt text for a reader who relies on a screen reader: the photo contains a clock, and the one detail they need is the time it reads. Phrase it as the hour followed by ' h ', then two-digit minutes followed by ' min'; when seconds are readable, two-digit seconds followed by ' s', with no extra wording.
9 h 24 min
